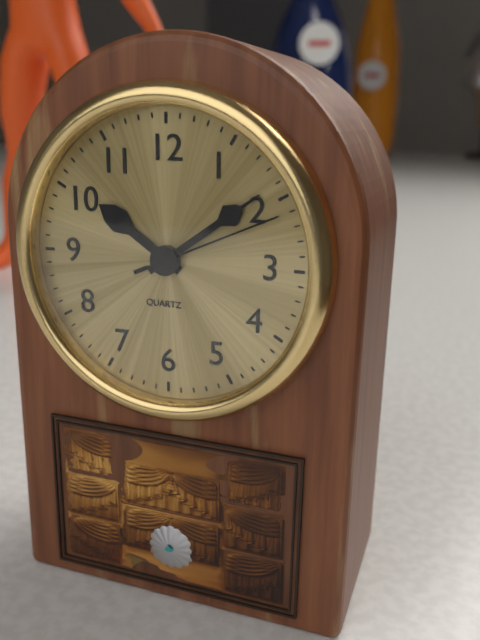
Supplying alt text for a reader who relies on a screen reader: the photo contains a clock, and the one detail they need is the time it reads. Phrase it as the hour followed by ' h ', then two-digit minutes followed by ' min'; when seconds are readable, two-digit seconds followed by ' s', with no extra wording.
10 h 09 min 11 s
